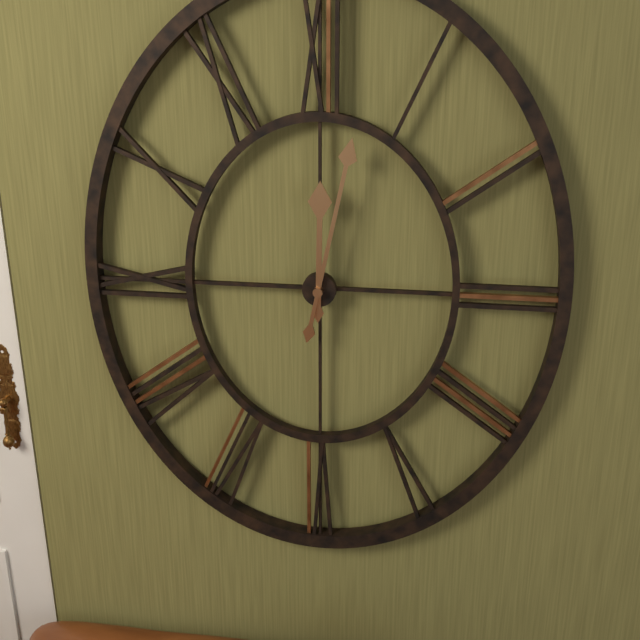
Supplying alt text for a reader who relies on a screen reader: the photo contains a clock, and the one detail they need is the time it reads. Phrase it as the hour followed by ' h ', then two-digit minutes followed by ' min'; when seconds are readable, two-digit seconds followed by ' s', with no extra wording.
12 h 02 min
